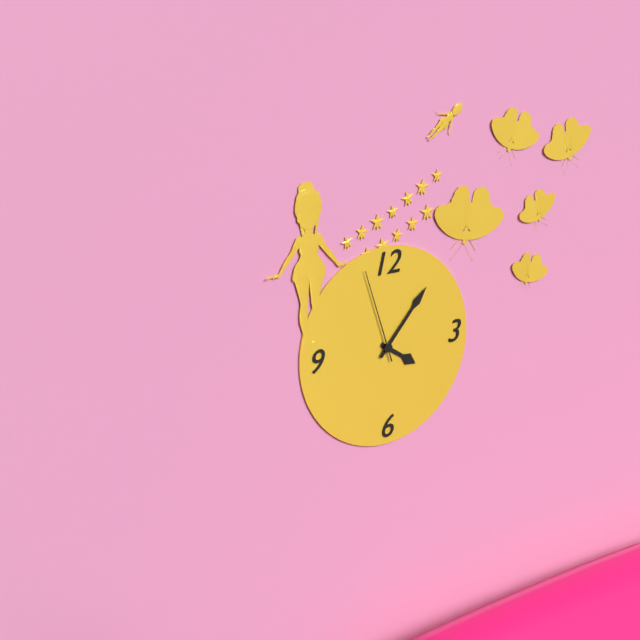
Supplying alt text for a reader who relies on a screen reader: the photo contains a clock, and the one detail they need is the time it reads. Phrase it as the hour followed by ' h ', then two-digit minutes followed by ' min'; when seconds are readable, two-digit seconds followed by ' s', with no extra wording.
4 h 07 min 57 s
